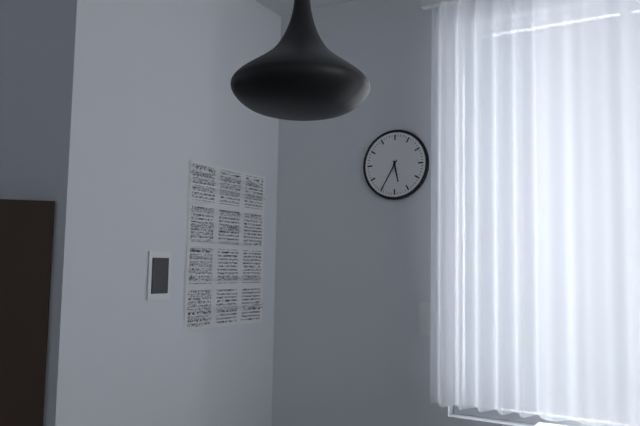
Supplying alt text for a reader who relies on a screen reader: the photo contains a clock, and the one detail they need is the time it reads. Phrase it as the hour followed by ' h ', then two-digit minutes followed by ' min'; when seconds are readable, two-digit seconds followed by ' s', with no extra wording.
5 h 35 min
